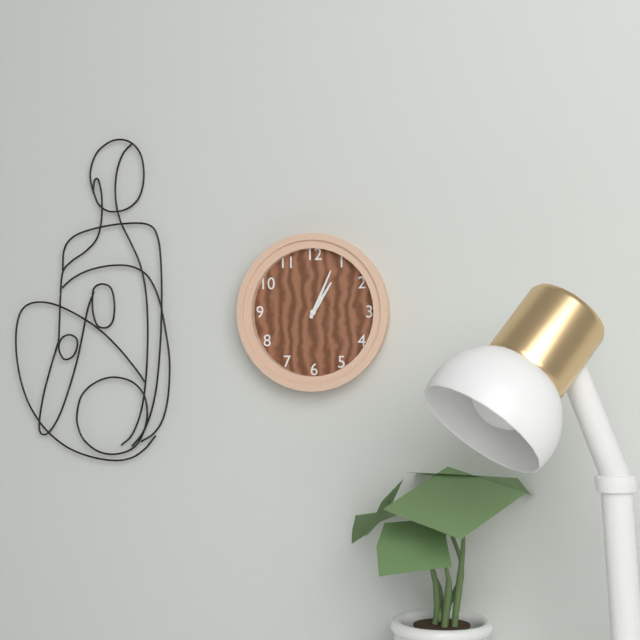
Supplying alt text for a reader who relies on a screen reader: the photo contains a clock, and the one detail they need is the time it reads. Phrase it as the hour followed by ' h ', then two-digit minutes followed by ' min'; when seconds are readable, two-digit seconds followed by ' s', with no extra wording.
1 h 04 min
